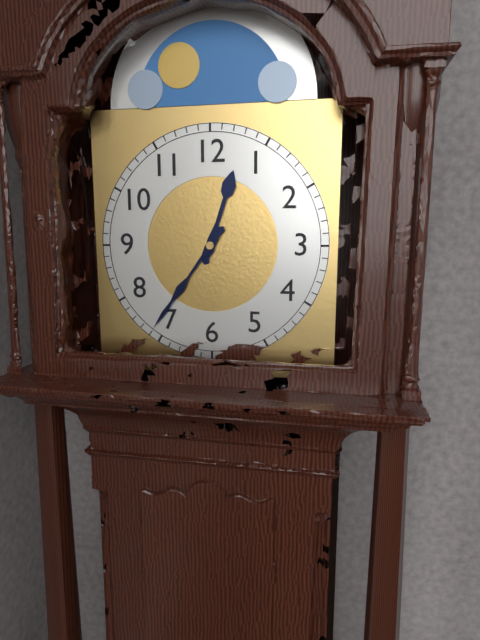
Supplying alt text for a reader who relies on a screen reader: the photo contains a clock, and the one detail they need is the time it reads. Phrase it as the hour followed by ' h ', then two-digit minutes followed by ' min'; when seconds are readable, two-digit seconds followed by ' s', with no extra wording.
12 h 36 min
